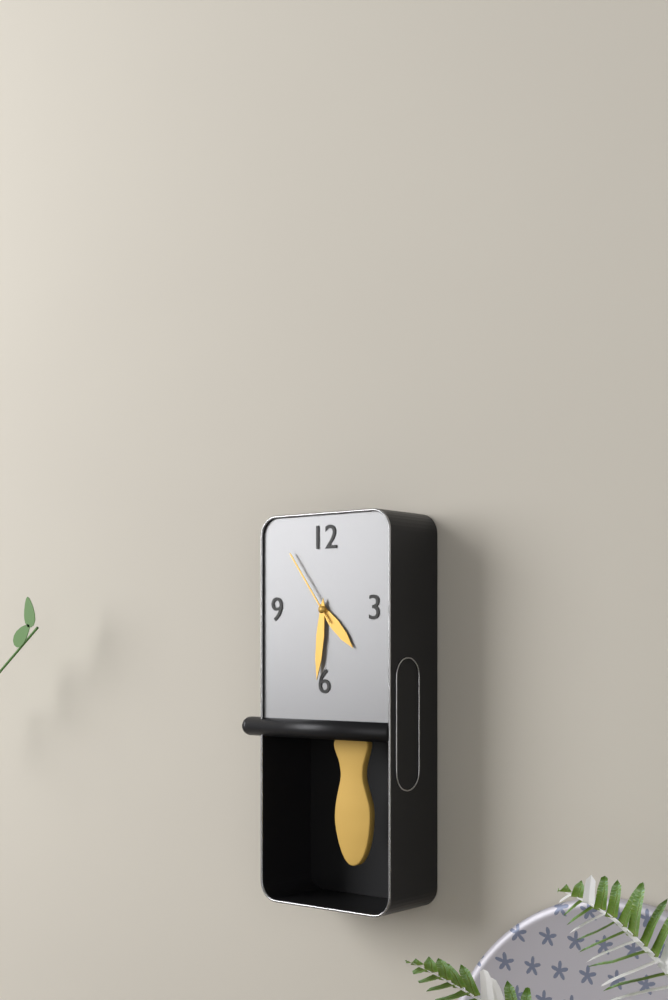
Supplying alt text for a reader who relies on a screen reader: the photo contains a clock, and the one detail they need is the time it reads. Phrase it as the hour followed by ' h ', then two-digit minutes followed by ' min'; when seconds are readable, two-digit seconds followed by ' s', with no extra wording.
4 h 31 min 54 s
